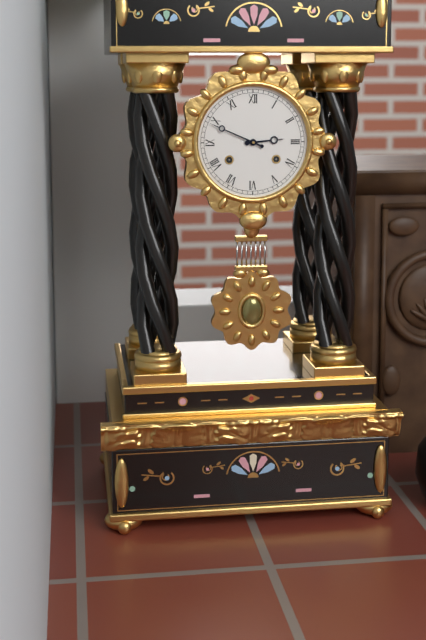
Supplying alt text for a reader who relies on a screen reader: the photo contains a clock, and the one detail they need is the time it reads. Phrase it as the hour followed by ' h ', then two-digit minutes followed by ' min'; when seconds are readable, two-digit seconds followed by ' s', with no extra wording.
2 h 49 min
